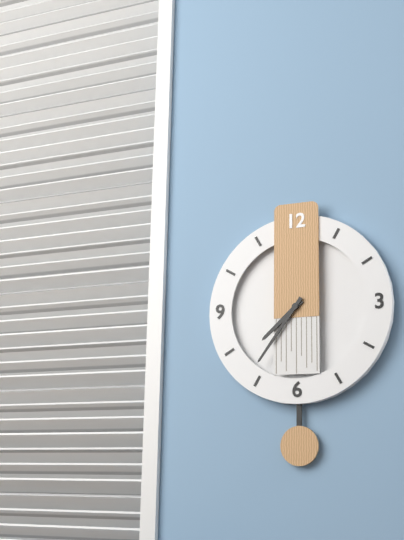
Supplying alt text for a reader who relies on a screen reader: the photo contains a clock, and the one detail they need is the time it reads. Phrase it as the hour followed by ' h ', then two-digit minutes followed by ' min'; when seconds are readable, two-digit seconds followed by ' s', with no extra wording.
7 h 36 min
